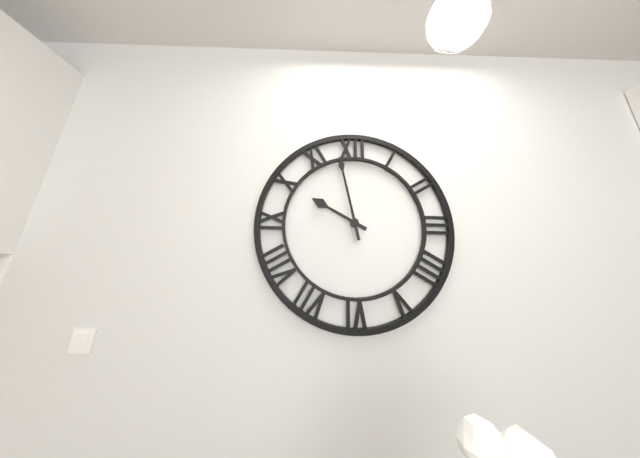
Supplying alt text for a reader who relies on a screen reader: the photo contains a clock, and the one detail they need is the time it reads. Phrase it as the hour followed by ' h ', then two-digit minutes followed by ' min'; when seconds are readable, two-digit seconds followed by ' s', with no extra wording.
9 h 58 min
